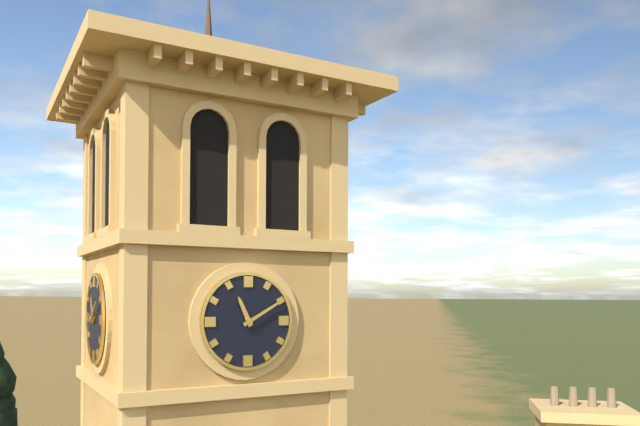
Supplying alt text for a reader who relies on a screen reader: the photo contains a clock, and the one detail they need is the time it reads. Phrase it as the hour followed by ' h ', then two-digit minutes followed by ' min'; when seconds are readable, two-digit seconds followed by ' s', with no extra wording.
11 h 10 min
